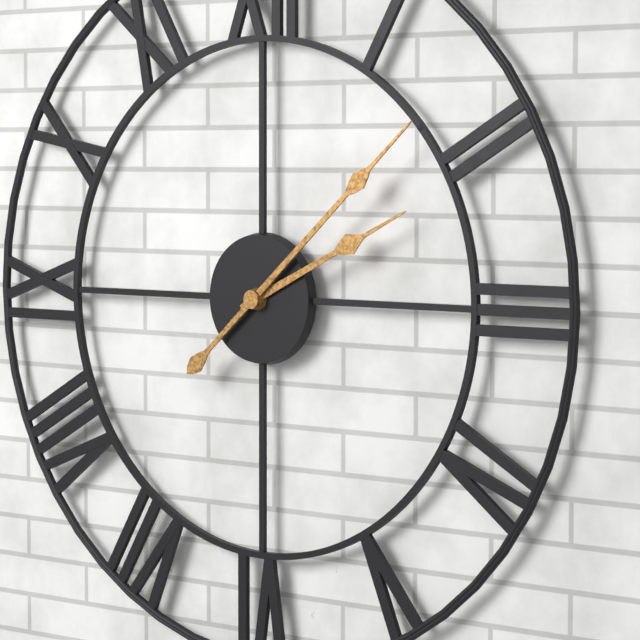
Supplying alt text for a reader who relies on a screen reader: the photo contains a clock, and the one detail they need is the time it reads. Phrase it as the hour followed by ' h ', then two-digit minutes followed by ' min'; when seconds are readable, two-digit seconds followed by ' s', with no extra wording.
2 h 08 min
